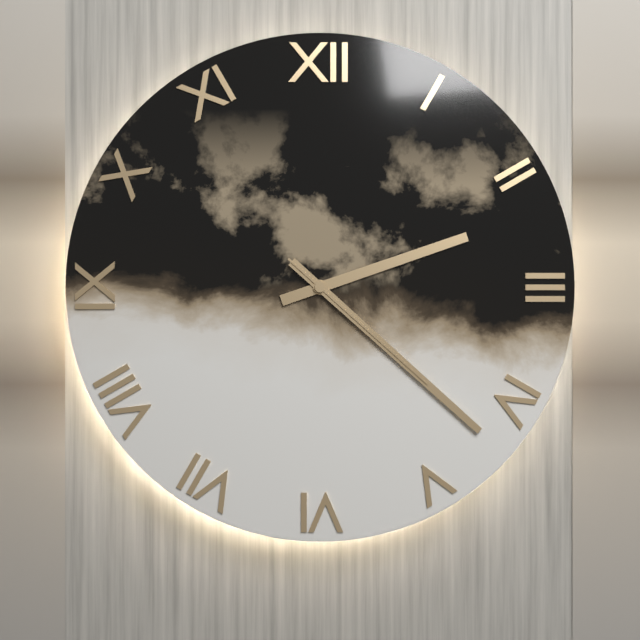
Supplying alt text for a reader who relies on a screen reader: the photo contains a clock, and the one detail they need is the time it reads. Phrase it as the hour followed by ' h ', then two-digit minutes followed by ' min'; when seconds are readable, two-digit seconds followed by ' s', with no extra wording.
2 h 22 min 22 s
